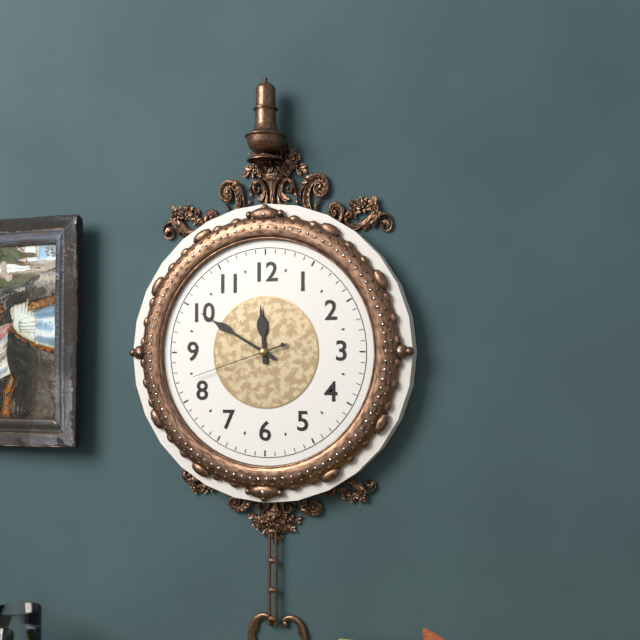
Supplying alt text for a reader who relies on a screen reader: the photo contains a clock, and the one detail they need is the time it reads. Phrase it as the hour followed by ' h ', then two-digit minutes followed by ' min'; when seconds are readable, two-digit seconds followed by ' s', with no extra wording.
11 h 50 min 42 s
